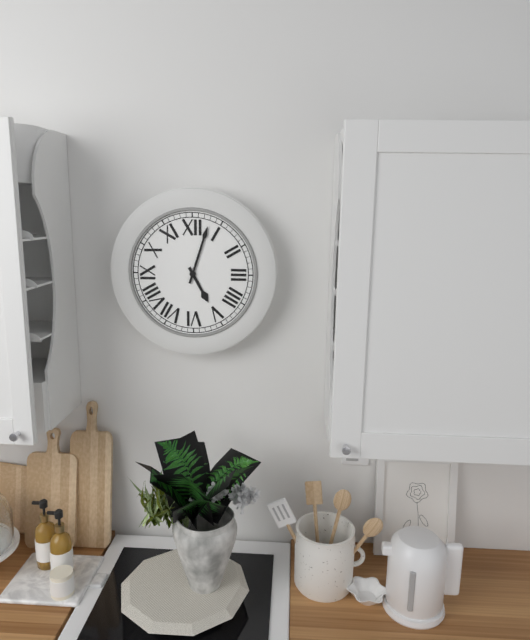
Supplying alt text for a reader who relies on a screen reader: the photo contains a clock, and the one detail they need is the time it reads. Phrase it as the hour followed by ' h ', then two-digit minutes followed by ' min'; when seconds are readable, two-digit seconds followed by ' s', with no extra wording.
5 h 03 min
